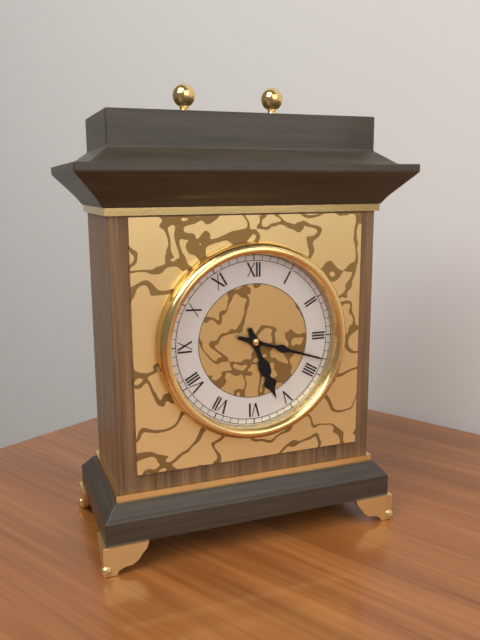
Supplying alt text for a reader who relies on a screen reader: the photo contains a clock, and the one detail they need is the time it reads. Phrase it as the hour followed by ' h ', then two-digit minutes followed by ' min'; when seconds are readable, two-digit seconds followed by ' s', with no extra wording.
5 h 18 min
